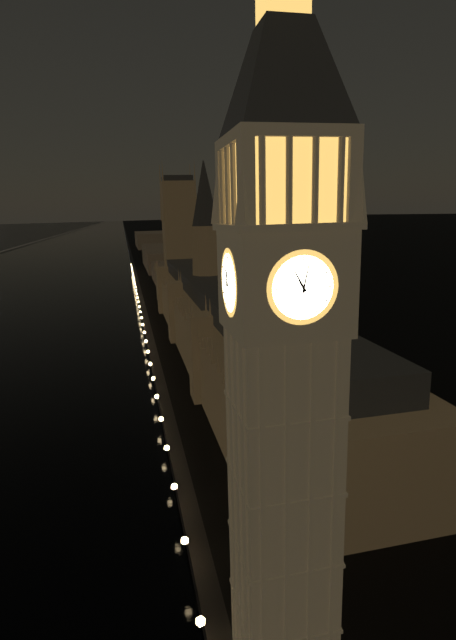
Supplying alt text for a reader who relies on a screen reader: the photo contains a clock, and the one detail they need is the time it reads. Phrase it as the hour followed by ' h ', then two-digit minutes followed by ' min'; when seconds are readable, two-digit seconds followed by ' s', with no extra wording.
11 h 02 min
